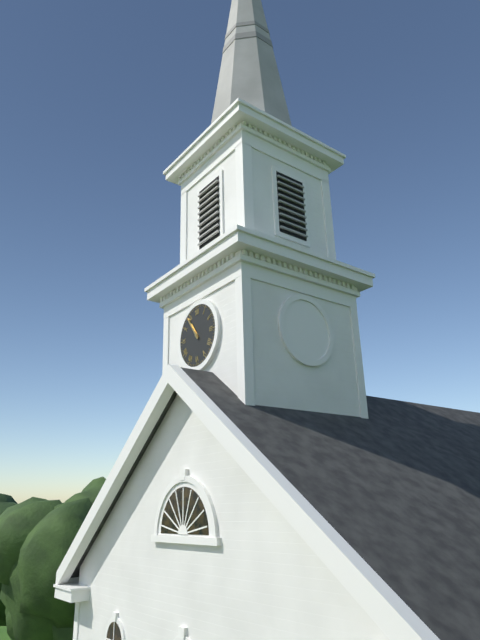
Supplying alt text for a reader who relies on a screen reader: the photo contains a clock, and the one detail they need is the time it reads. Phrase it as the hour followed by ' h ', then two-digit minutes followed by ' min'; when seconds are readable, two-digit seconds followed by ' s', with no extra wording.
10 h 54 min
